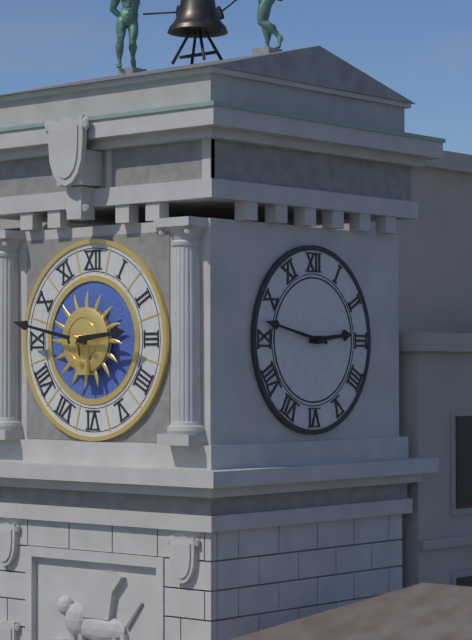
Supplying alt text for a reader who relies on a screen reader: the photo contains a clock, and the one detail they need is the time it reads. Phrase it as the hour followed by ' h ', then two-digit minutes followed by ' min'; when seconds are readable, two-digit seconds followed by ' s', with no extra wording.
2 h 47 min
